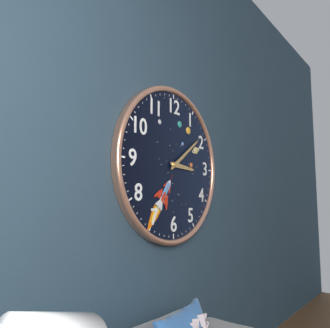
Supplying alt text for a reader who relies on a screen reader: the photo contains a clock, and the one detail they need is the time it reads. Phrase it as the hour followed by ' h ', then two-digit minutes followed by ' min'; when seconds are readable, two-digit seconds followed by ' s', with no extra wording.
3 h 09 min
